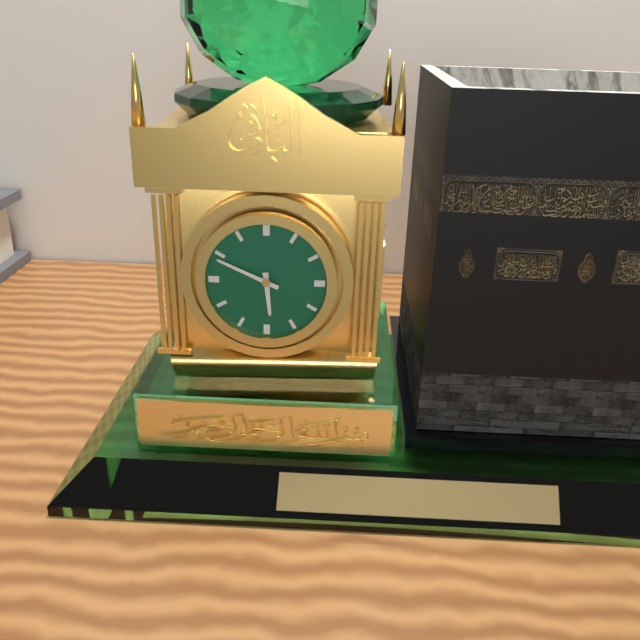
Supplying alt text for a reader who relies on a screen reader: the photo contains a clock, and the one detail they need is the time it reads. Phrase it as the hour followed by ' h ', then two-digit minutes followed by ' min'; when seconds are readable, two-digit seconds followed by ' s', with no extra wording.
5 h 49 min
